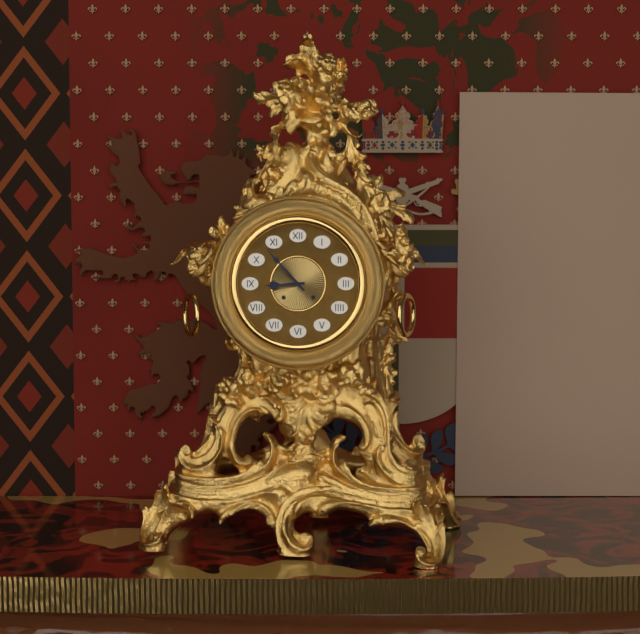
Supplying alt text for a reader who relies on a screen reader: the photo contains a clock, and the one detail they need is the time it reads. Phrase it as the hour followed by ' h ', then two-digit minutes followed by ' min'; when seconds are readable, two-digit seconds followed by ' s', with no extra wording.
8 h 53 min
